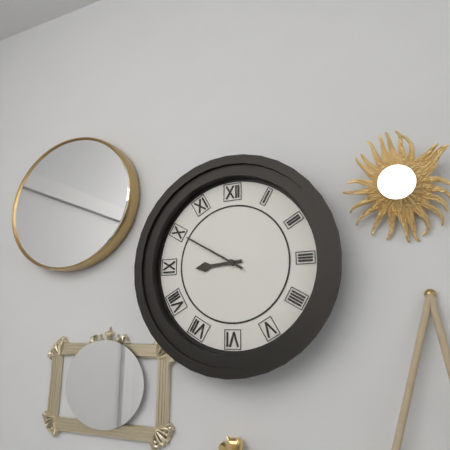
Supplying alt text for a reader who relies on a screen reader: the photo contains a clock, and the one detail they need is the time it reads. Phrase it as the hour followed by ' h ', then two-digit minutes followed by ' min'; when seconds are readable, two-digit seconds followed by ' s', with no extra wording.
8 h 50 min
